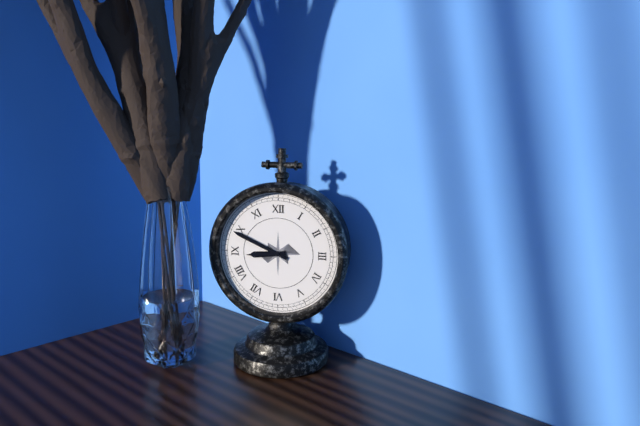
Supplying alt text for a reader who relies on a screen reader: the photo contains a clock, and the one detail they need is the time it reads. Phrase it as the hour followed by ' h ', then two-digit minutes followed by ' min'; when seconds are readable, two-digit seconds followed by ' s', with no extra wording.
8 h 49 min
